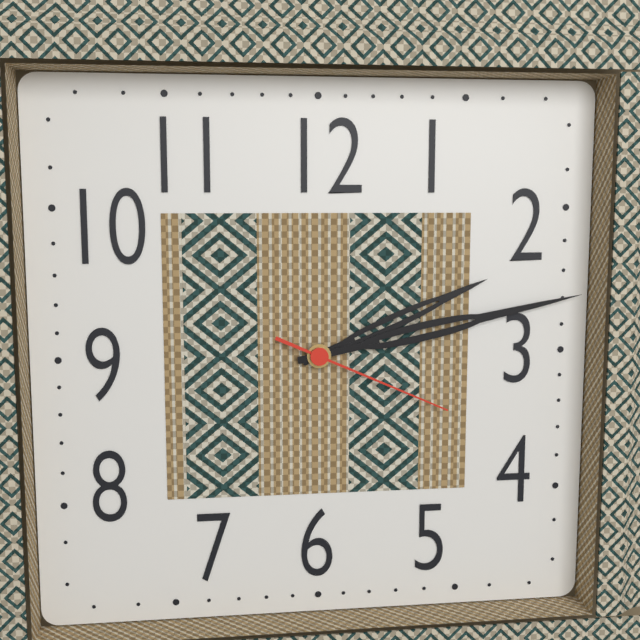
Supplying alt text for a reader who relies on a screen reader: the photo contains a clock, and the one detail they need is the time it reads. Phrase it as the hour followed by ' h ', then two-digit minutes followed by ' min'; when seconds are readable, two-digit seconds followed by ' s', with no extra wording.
2 h 13 min 19 s
